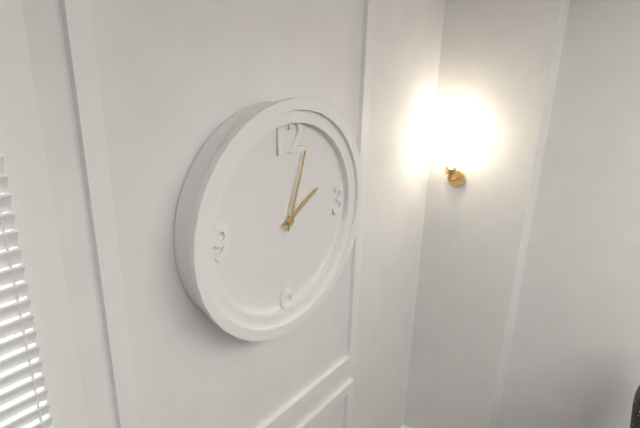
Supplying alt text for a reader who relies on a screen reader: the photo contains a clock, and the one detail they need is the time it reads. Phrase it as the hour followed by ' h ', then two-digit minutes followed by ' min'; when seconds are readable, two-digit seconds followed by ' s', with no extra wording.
2 h 03 min
